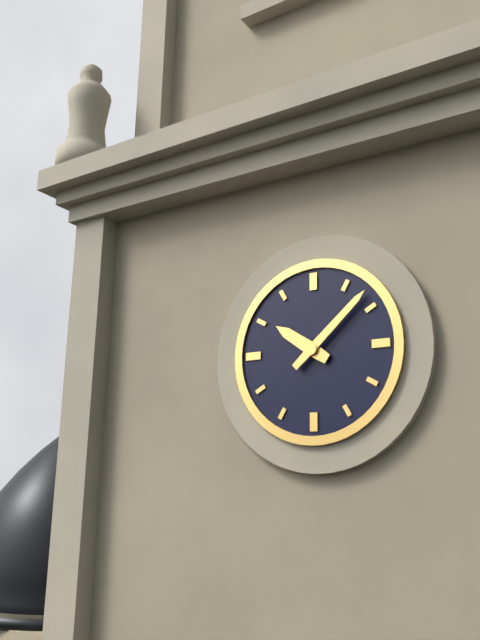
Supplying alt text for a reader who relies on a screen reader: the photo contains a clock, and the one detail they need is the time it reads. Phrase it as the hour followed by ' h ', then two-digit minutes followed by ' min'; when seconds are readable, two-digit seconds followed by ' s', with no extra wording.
10 h 08 min
